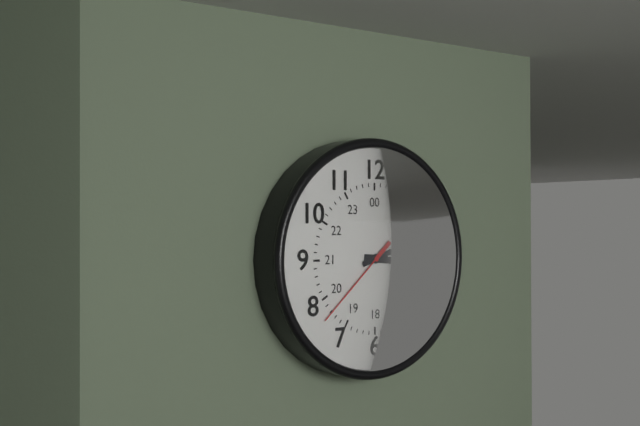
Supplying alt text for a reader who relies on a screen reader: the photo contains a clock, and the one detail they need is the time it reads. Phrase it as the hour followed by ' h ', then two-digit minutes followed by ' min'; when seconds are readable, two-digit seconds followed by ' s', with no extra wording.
3 h 12 min 38 s
